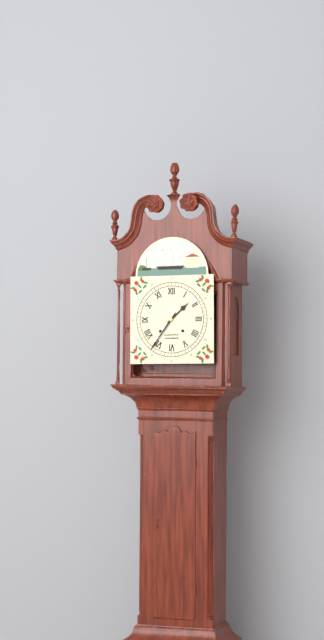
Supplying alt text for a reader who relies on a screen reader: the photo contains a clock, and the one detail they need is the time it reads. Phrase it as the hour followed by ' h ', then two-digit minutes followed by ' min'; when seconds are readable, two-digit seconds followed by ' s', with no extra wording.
1 h 36 min
